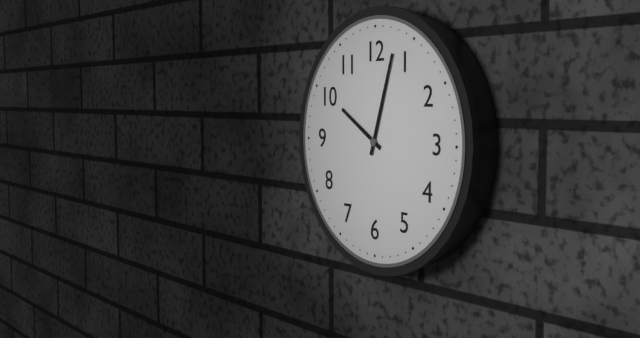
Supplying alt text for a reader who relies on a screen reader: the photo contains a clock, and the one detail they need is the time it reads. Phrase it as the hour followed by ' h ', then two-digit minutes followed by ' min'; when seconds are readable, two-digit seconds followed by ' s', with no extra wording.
10 h 03 min
